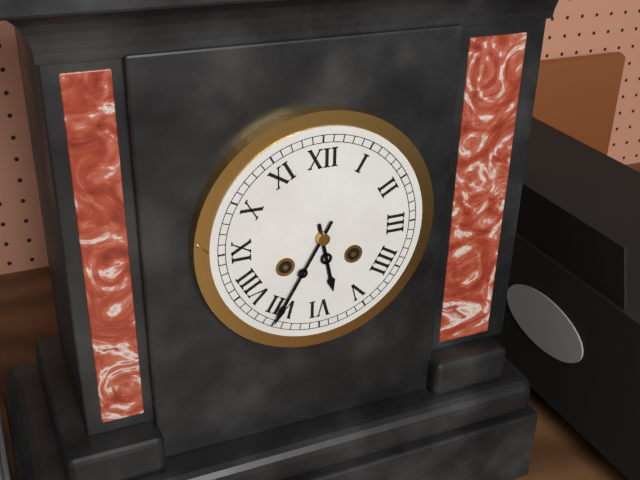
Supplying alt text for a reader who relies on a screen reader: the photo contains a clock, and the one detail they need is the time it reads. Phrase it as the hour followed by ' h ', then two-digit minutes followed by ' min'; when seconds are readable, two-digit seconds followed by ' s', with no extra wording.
5 h 35 min
